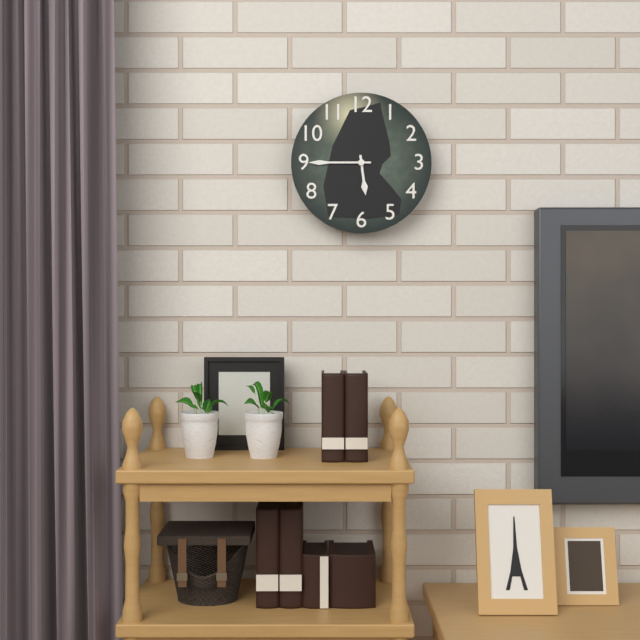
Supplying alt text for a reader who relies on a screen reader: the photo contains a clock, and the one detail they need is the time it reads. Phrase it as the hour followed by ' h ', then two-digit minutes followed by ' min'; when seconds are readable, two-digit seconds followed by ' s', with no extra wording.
5 h 45 min
